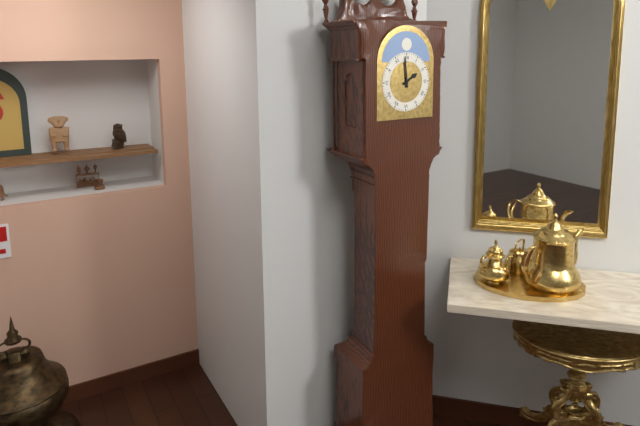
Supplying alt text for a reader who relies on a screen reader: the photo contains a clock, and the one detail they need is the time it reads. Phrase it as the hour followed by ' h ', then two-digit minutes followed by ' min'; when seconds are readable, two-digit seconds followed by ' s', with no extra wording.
1 h 59 min
